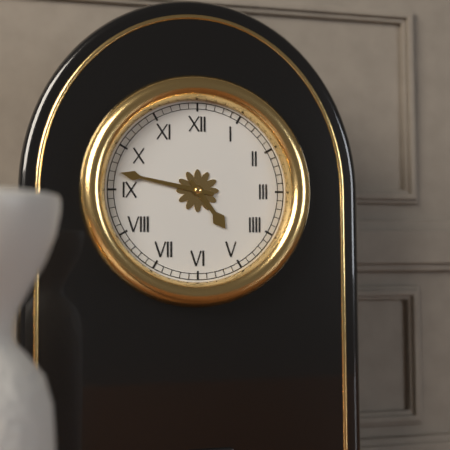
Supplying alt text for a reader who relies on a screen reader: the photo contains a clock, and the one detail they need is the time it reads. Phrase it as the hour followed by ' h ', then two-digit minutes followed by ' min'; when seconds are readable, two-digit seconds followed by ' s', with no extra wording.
4 h 47 min
